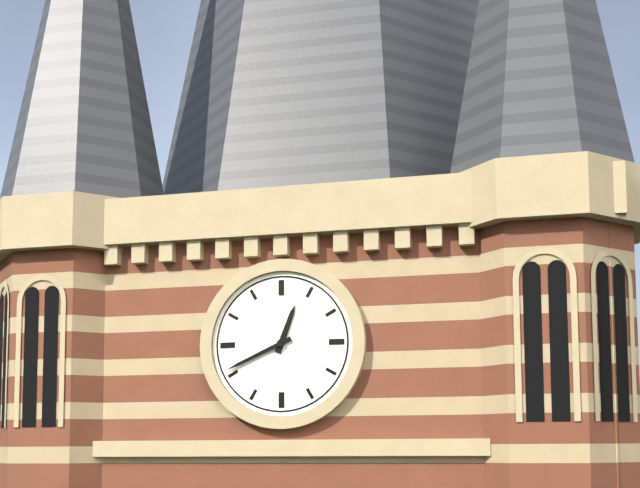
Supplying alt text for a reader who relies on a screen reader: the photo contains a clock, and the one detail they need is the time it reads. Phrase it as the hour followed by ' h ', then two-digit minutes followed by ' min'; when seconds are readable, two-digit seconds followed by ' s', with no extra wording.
12 h 41 min
